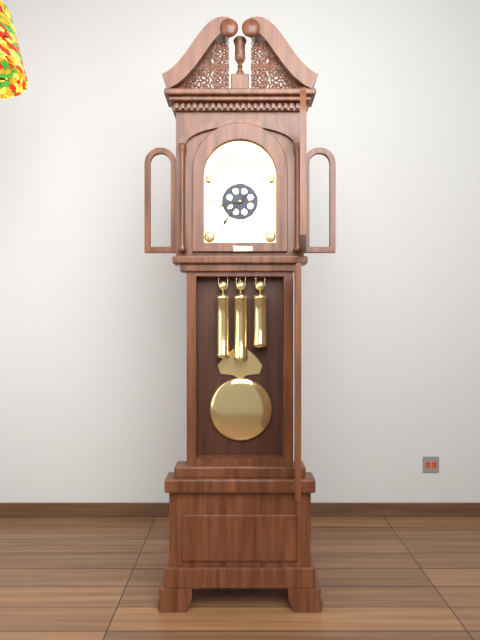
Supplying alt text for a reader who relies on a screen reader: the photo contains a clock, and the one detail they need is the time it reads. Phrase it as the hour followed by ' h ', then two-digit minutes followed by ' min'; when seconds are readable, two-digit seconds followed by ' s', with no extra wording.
8 h 36 min
